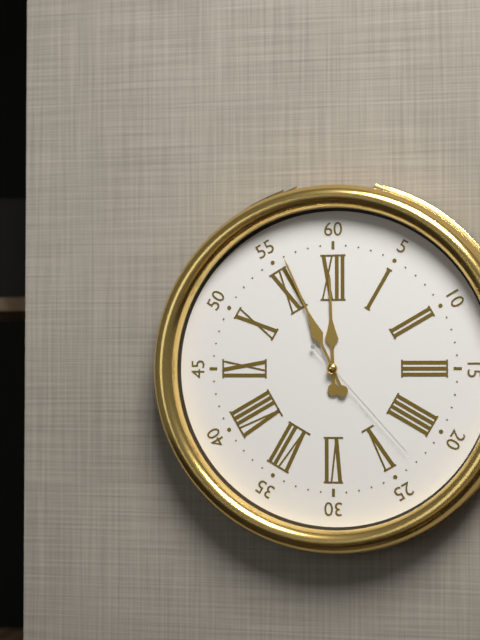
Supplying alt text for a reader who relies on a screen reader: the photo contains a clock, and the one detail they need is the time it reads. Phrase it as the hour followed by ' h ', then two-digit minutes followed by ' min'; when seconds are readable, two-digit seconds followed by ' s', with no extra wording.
11 h 56 min 23 s
